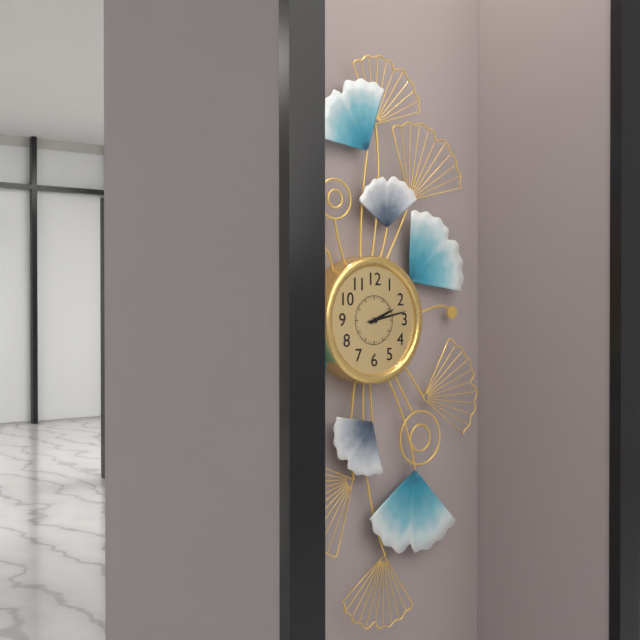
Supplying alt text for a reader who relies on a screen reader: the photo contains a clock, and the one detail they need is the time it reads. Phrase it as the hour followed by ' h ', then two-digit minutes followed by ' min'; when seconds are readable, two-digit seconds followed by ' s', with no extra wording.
2 h 13 min
